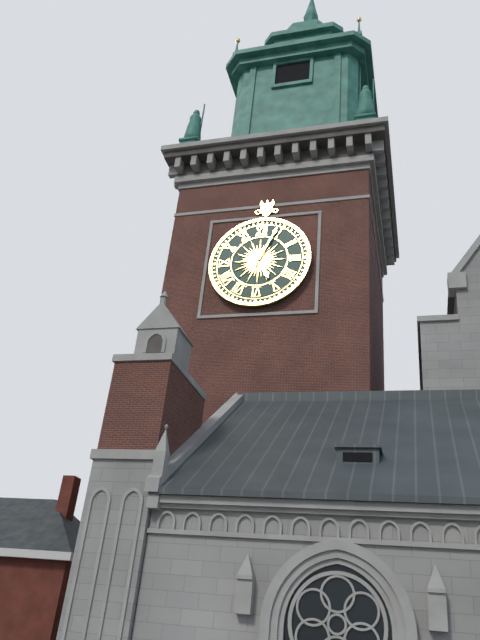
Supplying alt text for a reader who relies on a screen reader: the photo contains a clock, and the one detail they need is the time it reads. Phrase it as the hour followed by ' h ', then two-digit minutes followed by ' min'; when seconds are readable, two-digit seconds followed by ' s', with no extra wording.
5 h 04 min
